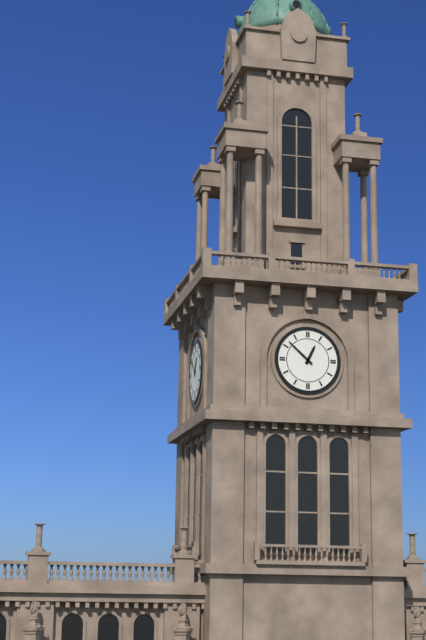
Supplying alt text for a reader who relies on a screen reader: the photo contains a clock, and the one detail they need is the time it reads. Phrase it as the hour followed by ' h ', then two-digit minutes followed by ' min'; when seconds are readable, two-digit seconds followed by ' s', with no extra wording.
12 h 52 min
